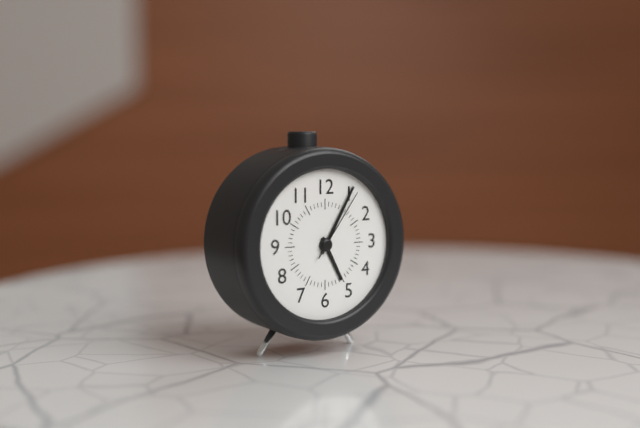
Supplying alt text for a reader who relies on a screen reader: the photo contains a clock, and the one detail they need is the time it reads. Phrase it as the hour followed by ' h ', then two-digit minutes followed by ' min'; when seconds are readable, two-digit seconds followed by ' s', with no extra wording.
5 h 05 min 06 s
